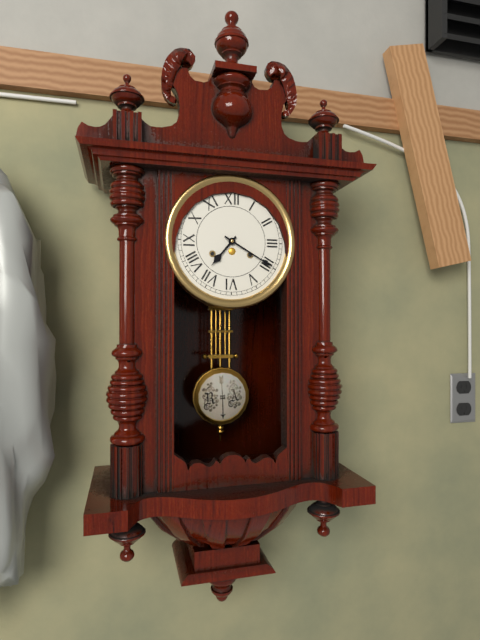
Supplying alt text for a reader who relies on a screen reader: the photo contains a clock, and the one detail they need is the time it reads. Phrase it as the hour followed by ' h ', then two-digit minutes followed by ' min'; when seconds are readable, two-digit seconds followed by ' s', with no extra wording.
7 h 20 min
